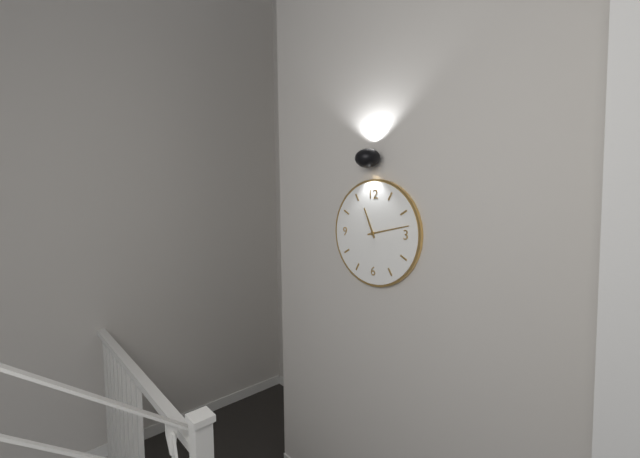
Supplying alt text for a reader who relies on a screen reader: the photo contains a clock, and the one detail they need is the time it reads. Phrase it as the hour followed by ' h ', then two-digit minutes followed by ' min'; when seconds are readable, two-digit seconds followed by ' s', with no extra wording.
11 h 13 min
